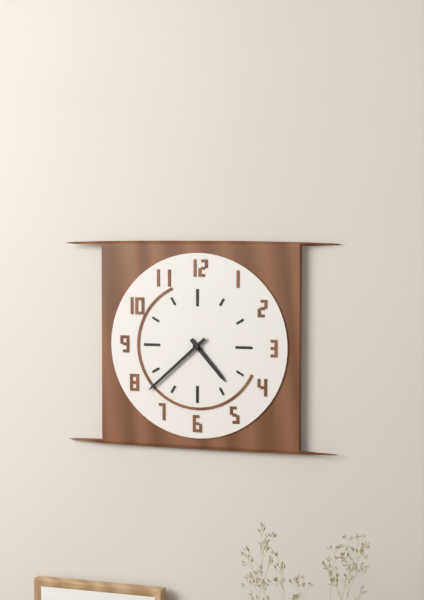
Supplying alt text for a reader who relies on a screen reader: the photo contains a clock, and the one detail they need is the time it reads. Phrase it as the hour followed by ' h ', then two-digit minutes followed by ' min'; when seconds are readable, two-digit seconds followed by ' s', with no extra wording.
4 h 38 min
